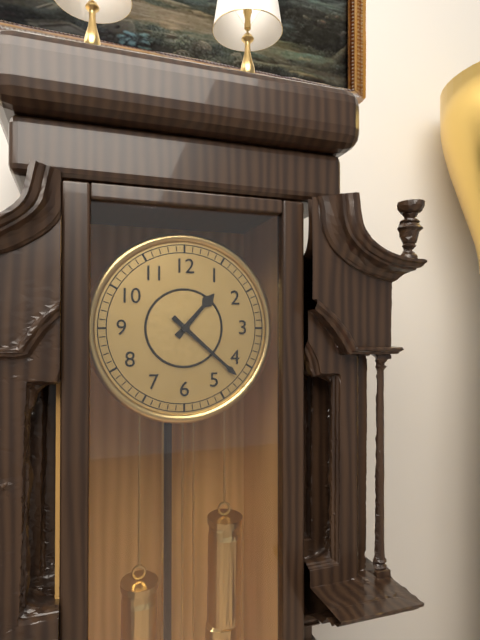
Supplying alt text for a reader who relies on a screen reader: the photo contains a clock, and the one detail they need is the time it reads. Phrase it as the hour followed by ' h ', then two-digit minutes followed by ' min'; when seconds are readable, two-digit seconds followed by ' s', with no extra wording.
1 h 22 min
